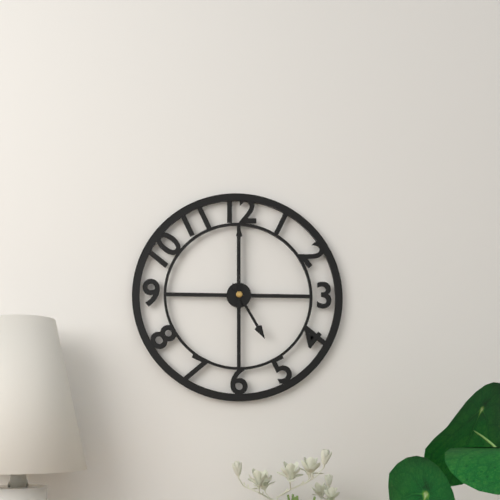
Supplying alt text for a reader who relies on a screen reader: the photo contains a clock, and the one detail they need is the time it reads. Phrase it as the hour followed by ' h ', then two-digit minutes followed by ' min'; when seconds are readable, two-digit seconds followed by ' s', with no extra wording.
5 h 00 min
